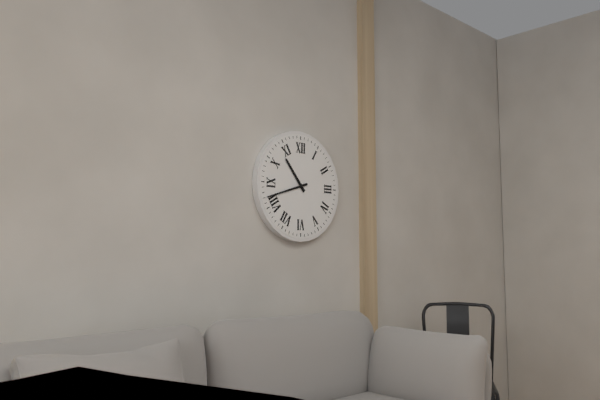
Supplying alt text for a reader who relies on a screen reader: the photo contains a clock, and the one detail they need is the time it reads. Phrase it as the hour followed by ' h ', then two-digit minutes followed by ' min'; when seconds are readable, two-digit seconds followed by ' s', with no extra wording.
10 h 42 min
